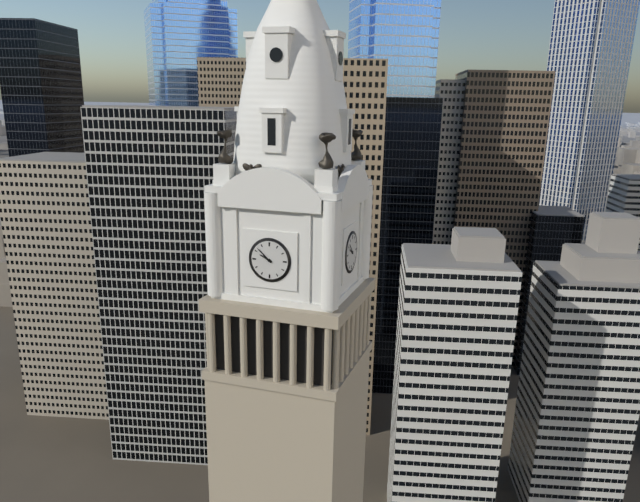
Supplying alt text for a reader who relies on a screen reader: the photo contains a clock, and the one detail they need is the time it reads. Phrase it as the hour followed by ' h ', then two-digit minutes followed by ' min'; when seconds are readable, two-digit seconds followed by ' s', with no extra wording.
9 h 52 min
